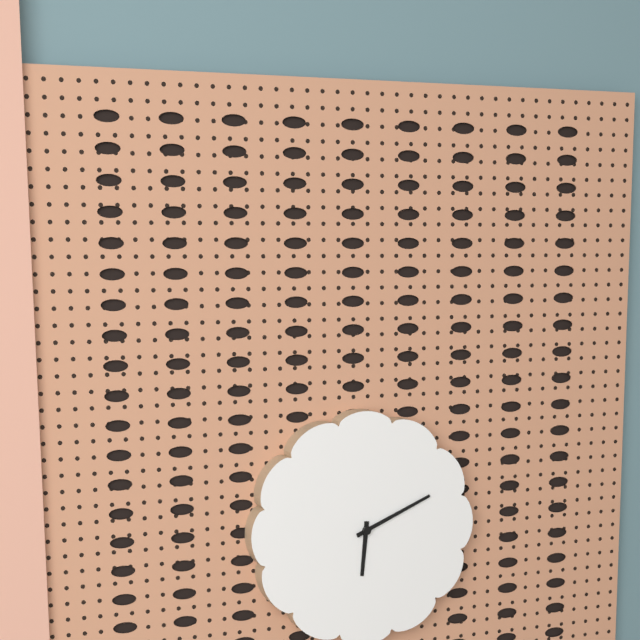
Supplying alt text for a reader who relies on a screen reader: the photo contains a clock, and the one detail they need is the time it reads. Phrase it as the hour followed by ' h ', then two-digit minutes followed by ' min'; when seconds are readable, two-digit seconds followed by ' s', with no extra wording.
6 h 11 min
